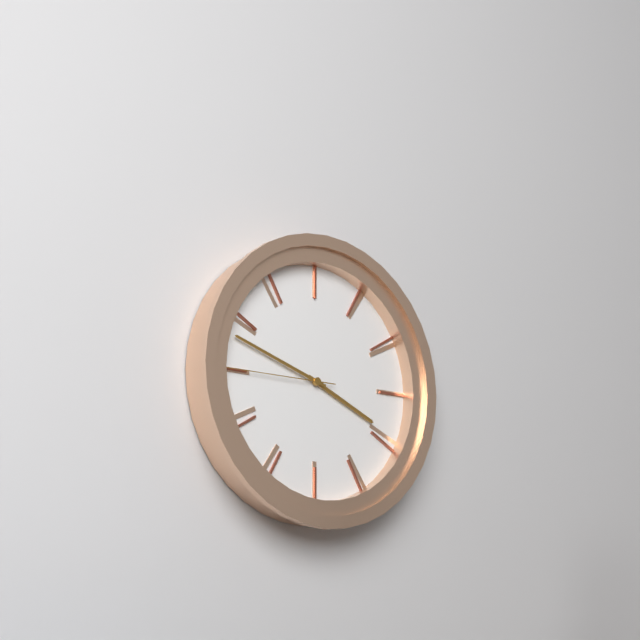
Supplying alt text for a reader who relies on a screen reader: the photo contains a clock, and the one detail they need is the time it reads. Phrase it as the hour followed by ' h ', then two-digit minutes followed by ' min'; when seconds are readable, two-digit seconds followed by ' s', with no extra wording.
3 h 48 min 45 s
